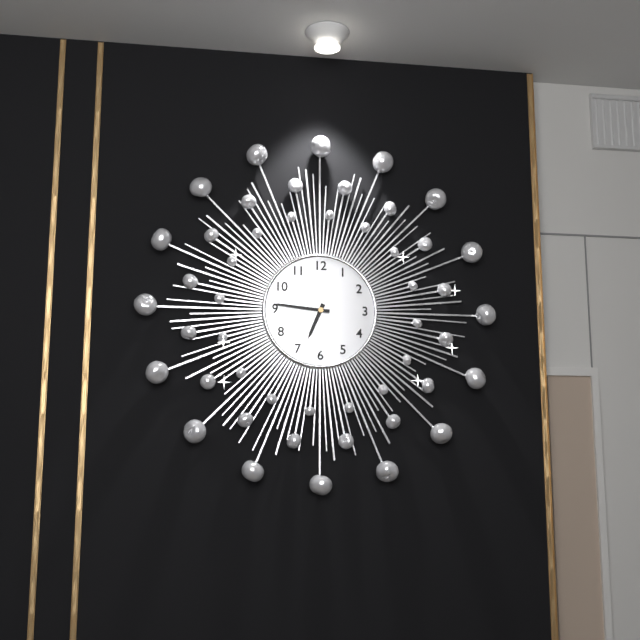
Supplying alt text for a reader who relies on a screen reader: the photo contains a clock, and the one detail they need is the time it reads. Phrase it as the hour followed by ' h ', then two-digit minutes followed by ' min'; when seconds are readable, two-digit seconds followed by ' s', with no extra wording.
6 h 46 min
